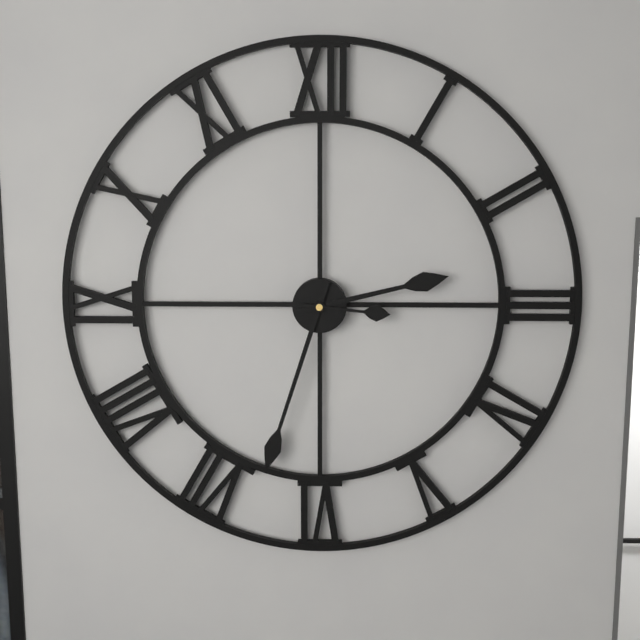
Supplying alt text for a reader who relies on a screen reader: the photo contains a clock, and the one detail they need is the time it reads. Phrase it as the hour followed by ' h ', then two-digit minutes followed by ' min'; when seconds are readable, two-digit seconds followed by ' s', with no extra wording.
2 h 33 min 16 s
